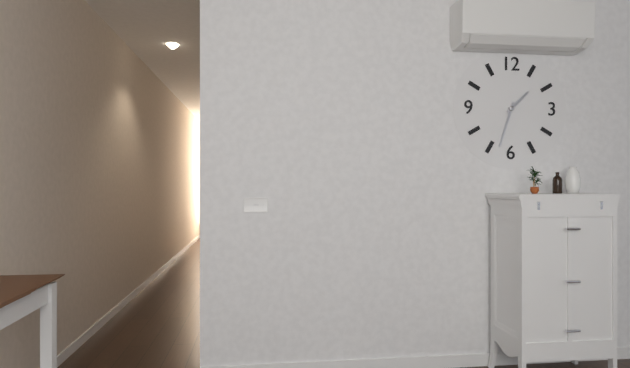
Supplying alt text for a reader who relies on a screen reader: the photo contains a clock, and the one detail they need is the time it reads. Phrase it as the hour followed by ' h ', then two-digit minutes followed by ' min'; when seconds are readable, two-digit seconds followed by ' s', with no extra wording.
1 h 33 min
